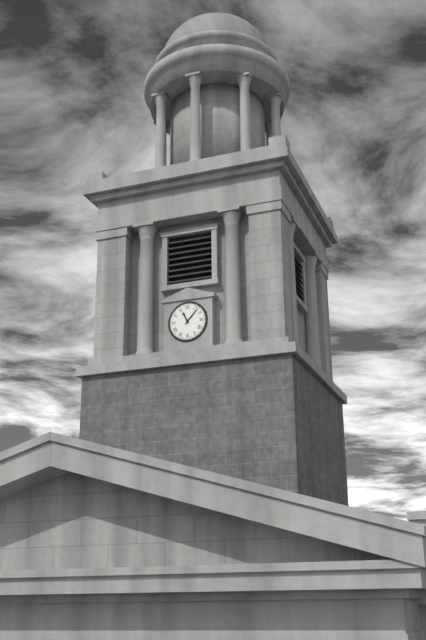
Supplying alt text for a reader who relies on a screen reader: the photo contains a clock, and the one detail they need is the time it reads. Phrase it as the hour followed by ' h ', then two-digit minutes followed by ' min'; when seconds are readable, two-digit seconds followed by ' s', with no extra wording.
11 h 07 min
